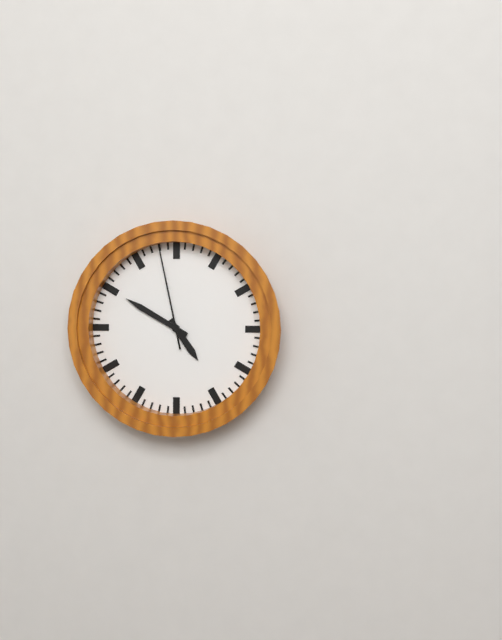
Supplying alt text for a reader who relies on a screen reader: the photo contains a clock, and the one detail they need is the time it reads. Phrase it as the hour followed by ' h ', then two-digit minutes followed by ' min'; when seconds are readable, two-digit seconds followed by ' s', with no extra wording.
4 h 50 min 58 s
